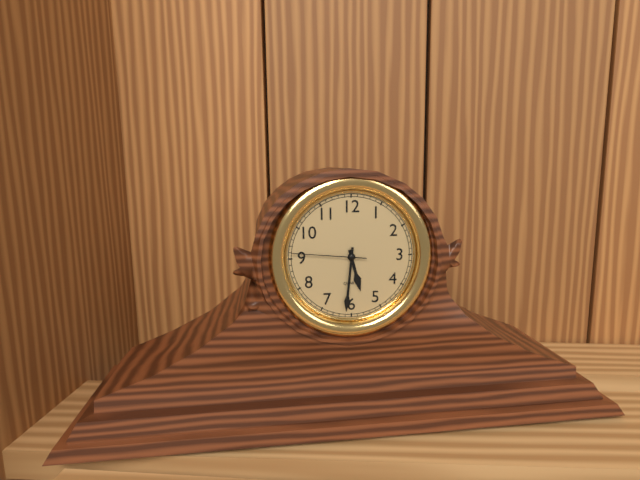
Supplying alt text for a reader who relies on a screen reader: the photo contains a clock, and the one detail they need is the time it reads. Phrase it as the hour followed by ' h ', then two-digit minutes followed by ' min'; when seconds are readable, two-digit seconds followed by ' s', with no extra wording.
5 h 31 min 46 s
